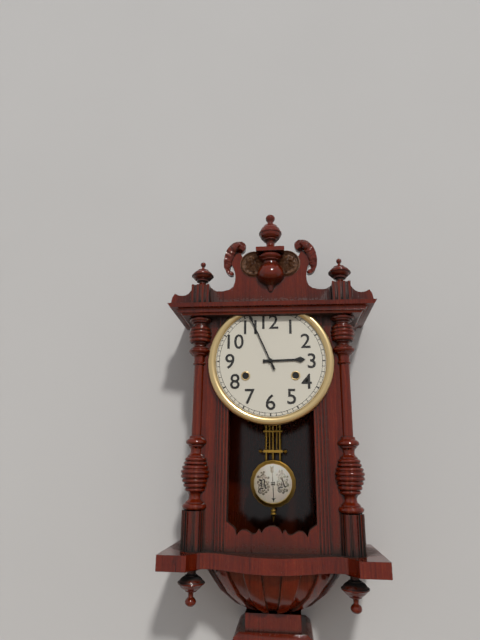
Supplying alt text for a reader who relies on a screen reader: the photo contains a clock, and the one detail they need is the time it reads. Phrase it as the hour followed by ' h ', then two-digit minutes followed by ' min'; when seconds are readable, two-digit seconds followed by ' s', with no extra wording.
2 h 56 min
